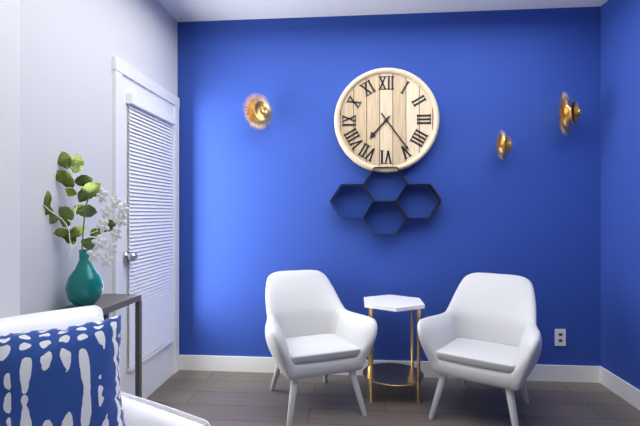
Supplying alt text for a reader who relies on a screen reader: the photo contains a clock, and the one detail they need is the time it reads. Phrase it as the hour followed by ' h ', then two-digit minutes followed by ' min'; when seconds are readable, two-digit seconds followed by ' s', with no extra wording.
7 h 24 min
